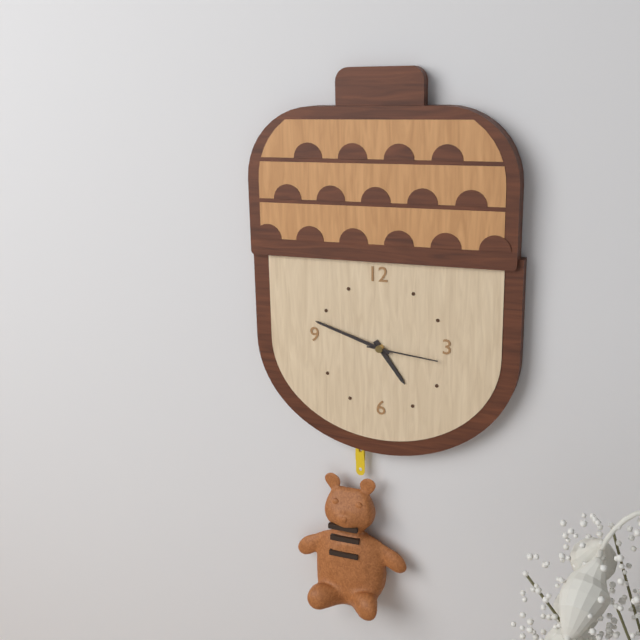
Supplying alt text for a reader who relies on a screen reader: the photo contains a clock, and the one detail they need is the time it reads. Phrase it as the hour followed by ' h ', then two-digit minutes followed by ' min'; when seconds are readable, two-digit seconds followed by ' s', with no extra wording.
4 h 48 min 16 s
